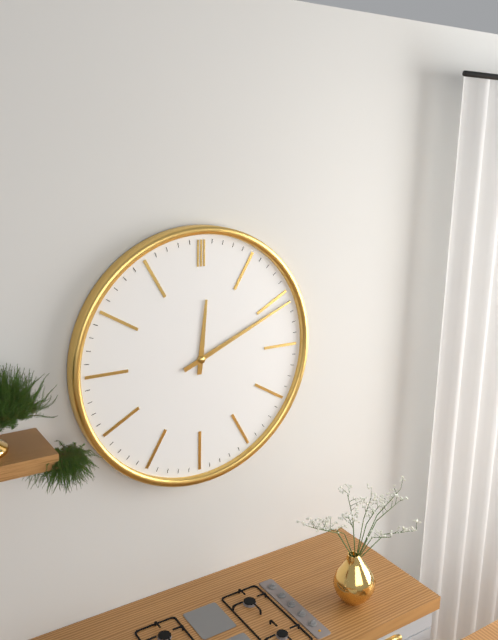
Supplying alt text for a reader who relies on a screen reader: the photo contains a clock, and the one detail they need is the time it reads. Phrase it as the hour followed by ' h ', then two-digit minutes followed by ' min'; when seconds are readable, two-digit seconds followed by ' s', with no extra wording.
12 h 11 min
